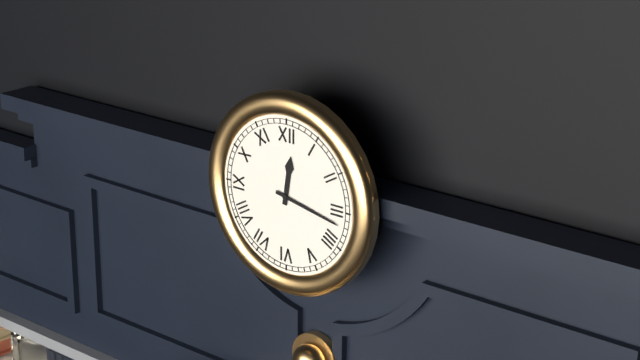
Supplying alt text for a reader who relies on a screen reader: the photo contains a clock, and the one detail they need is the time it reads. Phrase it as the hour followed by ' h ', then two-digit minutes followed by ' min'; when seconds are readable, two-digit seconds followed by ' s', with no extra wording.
12 h 17 min
